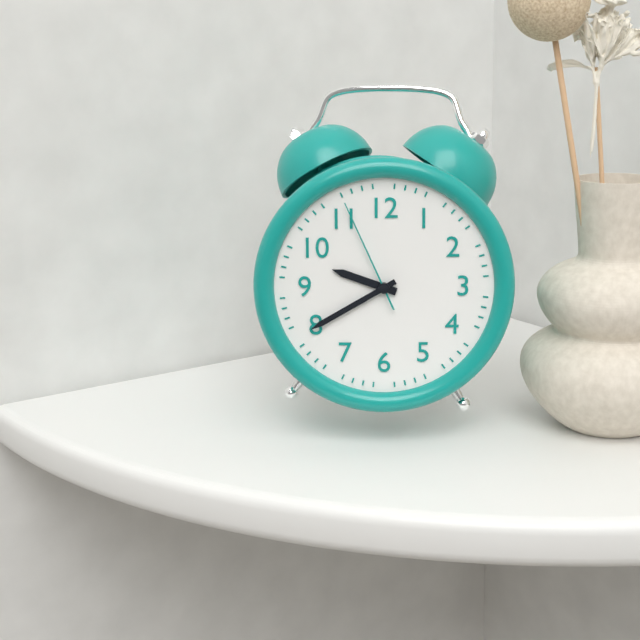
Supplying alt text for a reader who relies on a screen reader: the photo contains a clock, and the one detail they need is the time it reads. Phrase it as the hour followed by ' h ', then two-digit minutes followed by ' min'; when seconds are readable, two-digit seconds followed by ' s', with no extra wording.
9 h 40 min 56 s
